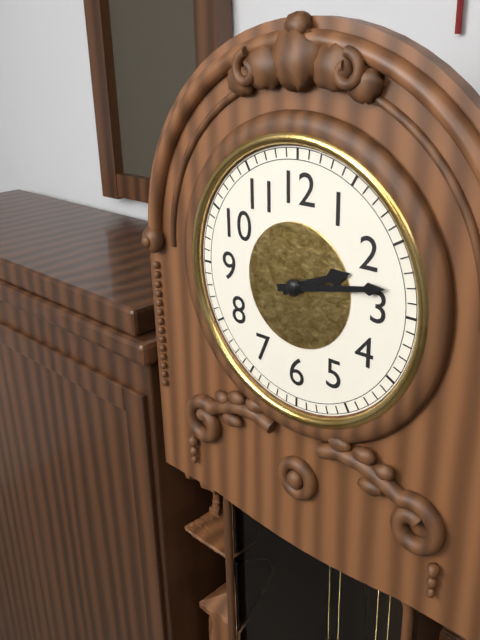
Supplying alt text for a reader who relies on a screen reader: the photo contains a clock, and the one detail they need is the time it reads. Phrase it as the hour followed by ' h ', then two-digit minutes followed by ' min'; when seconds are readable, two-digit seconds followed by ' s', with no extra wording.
2 h 13 min
